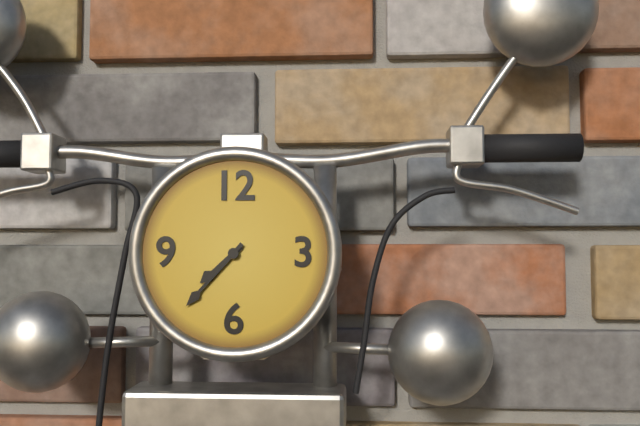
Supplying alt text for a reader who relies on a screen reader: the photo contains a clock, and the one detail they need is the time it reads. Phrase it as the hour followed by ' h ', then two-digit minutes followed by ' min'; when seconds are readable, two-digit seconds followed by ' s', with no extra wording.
7 h 37 min
